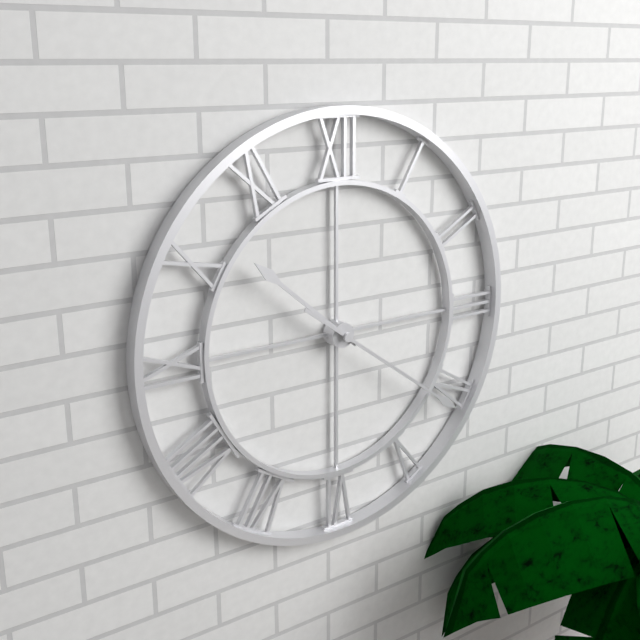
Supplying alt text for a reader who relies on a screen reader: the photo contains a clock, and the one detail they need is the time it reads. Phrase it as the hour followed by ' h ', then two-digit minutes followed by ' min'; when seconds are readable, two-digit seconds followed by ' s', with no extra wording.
10 h 21 min
